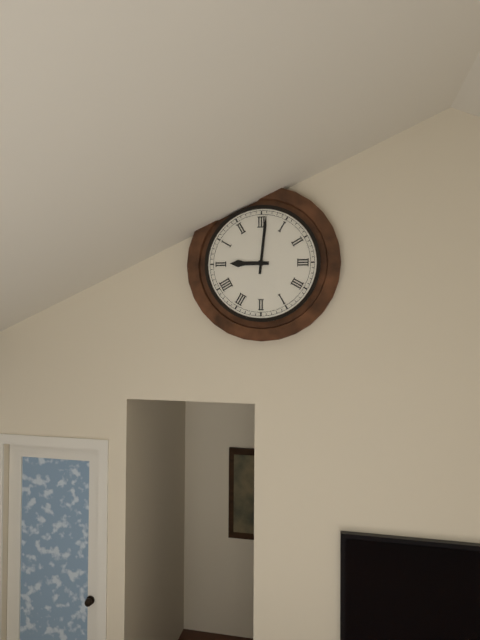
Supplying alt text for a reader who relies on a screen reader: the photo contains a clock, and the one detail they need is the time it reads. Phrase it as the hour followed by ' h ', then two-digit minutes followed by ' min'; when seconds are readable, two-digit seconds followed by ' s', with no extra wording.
9 h 01 min
